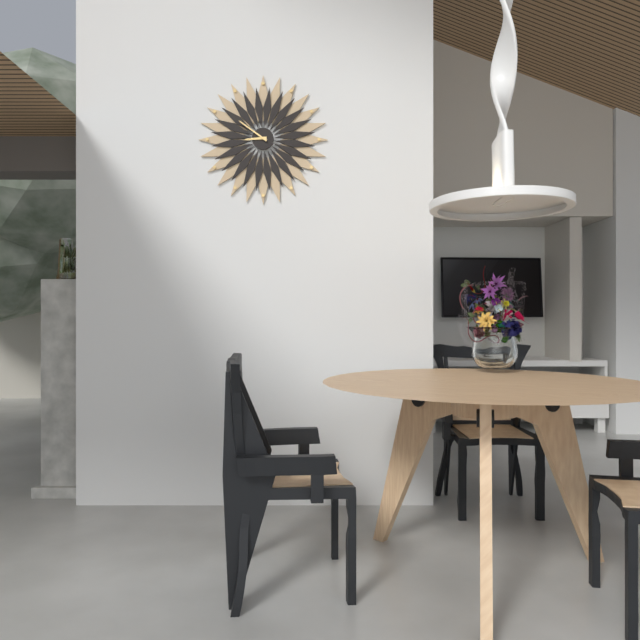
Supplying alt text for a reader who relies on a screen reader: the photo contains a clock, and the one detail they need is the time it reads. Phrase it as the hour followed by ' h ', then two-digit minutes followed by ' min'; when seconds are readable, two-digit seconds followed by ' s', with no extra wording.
8 h 51 min
